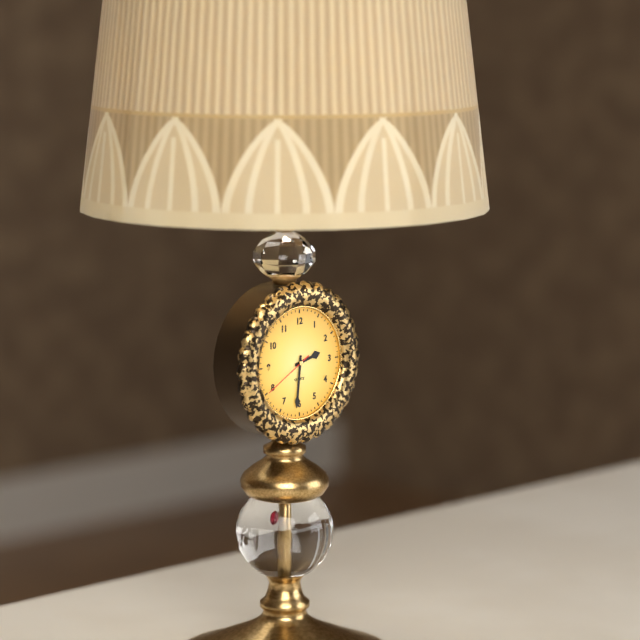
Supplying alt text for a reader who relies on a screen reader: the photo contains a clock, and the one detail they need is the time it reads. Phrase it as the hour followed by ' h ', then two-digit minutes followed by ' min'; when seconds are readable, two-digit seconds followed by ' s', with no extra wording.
2 h 31 min 40 s
